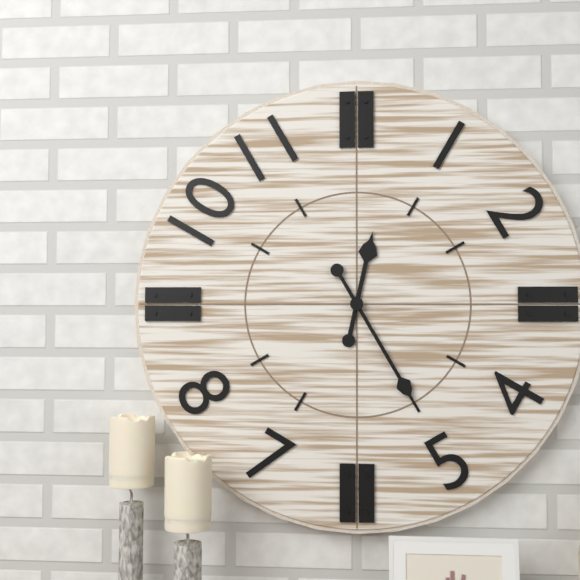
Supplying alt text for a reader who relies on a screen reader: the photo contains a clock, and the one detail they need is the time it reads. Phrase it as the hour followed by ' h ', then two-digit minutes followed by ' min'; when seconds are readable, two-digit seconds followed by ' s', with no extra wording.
12 h 25 min
